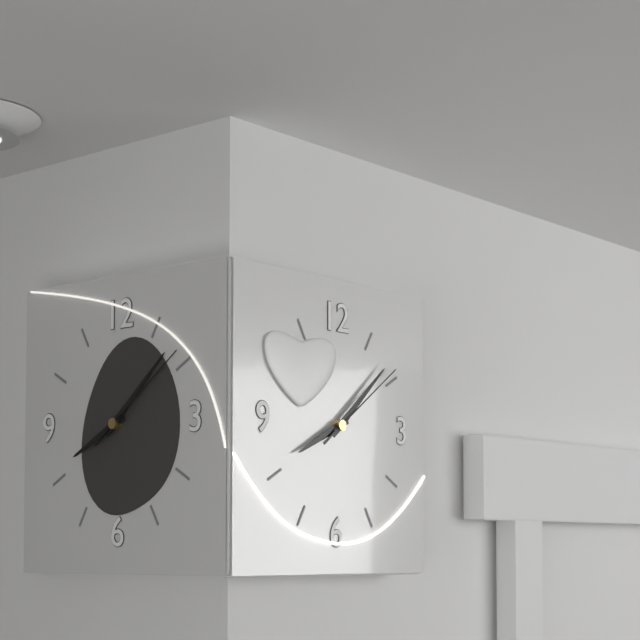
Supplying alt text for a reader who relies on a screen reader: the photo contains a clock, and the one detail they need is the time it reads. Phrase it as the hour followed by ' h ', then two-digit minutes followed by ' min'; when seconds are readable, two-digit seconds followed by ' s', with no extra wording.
8 h 08 min 09 s
